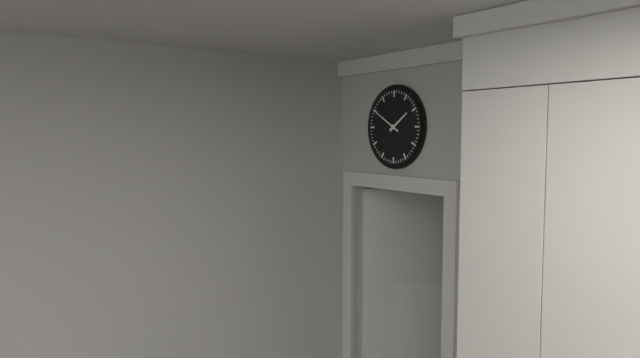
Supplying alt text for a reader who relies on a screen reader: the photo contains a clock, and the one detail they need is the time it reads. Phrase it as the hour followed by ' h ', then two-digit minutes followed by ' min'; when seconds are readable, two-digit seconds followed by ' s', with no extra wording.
1 h 50 min
